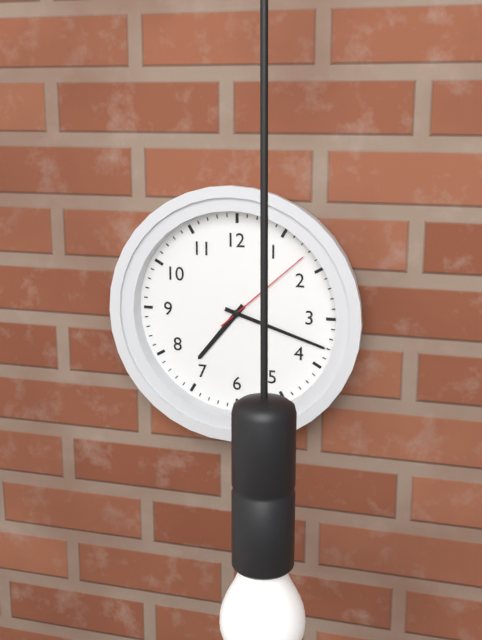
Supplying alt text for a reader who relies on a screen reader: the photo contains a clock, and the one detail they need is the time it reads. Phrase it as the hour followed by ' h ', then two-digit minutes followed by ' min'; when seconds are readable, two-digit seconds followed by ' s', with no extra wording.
7 h 18 min 08 s
